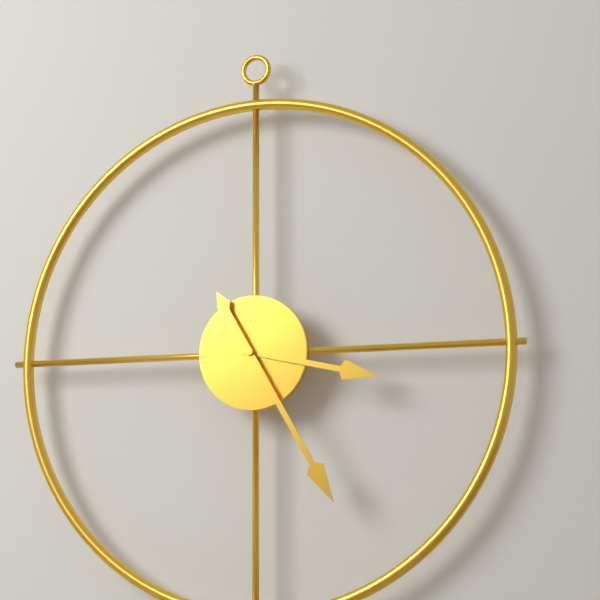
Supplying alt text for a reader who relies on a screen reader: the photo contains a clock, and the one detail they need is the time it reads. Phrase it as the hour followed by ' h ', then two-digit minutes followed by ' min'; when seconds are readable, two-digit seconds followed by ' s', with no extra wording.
3 h 25 min
